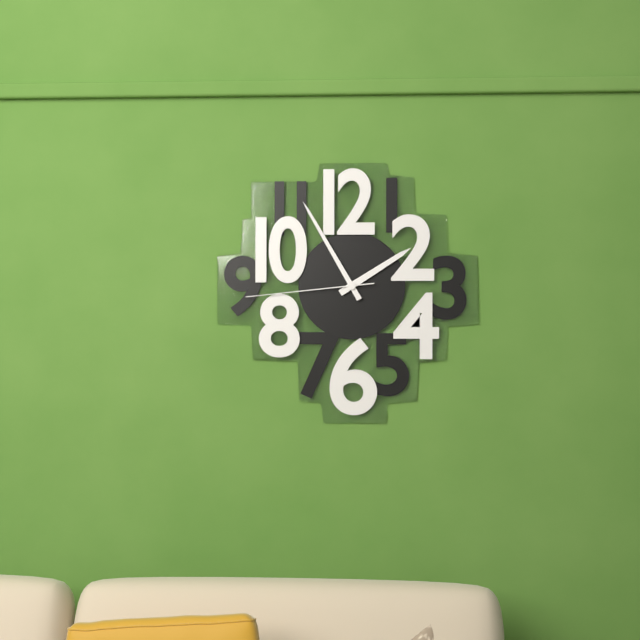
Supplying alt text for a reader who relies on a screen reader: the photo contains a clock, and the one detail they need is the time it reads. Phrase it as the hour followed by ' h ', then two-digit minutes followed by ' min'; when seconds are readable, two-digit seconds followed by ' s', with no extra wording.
1 h 55 min 44 s
